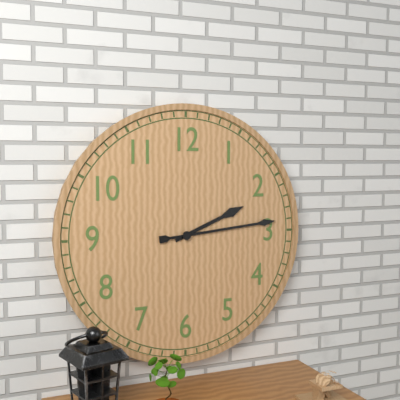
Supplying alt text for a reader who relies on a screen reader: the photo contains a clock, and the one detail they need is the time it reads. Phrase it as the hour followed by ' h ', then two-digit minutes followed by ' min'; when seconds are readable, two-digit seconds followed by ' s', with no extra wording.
2 h 14 min
